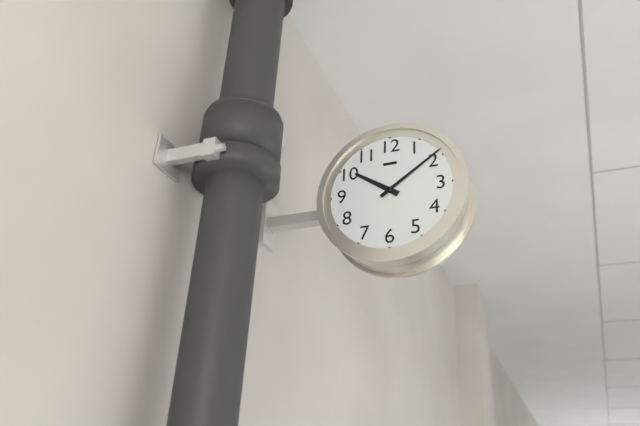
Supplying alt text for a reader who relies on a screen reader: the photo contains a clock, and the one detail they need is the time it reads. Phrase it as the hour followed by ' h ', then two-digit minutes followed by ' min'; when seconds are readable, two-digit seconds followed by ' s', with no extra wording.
10 h 09 min
